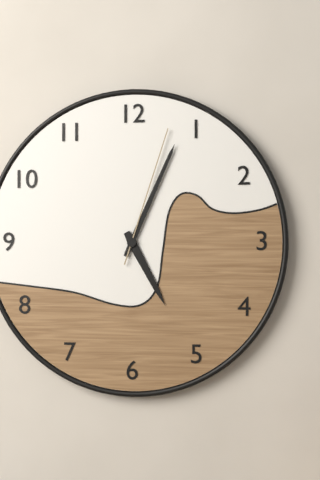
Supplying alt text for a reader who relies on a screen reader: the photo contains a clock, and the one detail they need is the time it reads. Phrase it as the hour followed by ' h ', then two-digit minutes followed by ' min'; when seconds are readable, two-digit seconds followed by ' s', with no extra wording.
5 h 04 min 03 s
